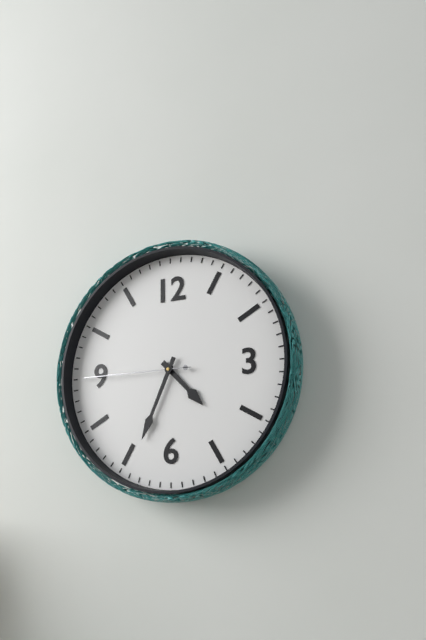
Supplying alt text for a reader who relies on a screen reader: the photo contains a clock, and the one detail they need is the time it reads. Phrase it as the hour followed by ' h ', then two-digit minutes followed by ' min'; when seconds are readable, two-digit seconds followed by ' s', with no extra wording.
4 h 34 min 45 s
